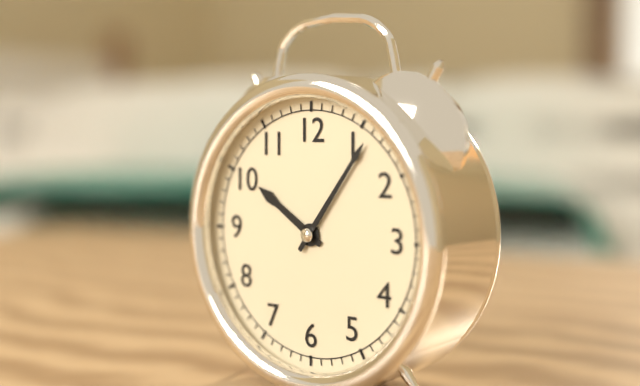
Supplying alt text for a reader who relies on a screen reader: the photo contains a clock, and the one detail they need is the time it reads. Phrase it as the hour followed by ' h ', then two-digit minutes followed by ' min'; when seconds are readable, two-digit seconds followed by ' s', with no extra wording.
10 h 06 min
